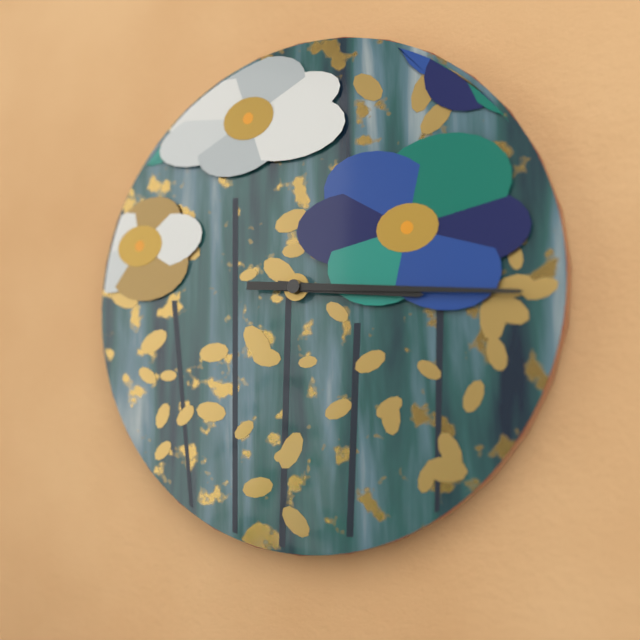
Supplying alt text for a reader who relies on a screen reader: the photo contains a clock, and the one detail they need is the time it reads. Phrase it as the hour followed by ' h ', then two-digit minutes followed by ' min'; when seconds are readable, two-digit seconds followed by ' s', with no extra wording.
3 h 16 min
